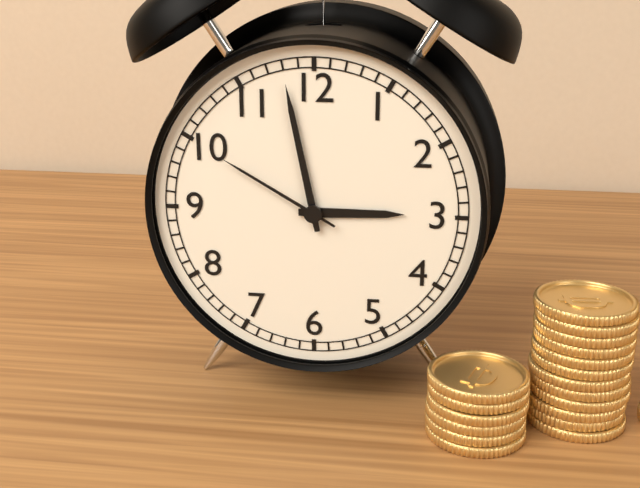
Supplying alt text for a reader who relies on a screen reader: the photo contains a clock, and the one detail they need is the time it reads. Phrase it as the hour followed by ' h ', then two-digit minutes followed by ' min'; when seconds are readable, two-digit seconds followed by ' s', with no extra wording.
2 h 58 min 50 s
